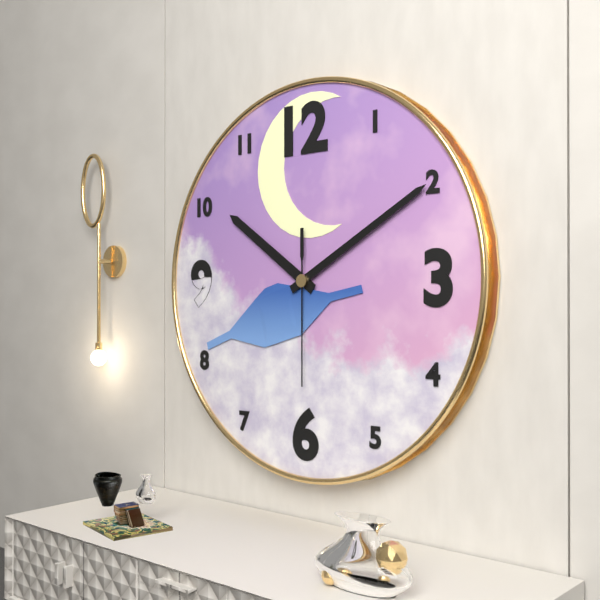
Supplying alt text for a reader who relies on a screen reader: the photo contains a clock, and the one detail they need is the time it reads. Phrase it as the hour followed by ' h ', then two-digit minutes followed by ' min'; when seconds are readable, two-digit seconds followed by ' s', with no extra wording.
10 h 10 min 30 s
